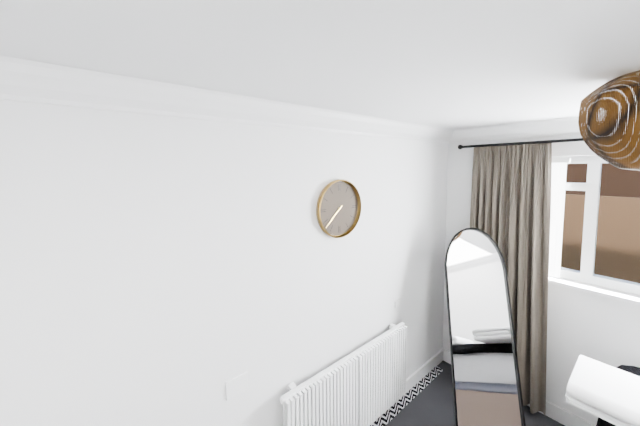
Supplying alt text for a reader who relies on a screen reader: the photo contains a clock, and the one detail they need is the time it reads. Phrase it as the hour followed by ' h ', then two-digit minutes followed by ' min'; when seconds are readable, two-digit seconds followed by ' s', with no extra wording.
7 h 38 min
